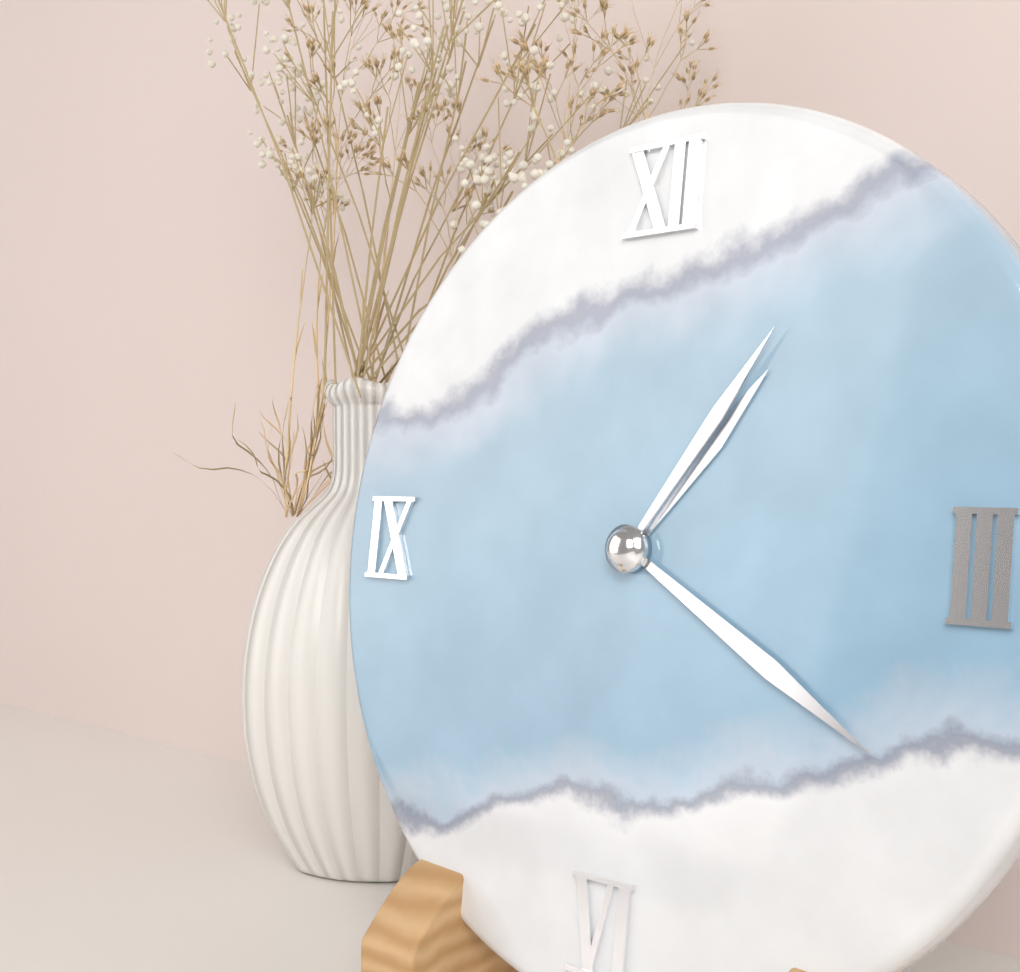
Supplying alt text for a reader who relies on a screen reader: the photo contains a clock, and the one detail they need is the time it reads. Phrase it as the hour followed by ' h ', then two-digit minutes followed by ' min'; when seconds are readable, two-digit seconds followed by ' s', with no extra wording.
1 h 20 min 06 s
